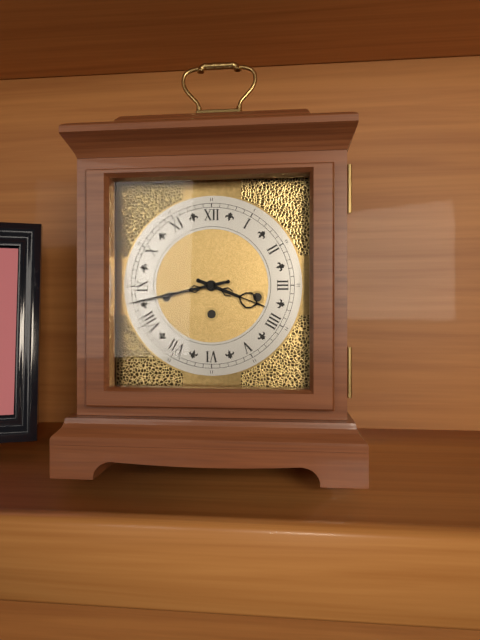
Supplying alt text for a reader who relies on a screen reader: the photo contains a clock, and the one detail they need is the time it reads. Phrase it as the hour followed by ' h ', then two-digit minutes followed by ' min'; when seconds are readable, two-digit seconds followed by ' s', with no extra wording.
3 h 43 min
